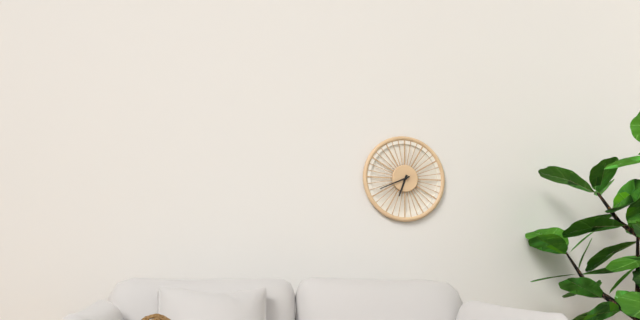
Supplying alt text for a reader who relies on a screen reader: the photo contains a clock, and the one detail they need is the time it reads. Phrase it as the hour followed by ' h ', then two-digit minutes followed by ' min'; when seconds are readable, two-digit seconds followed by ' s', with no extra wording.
6 h 41 min
